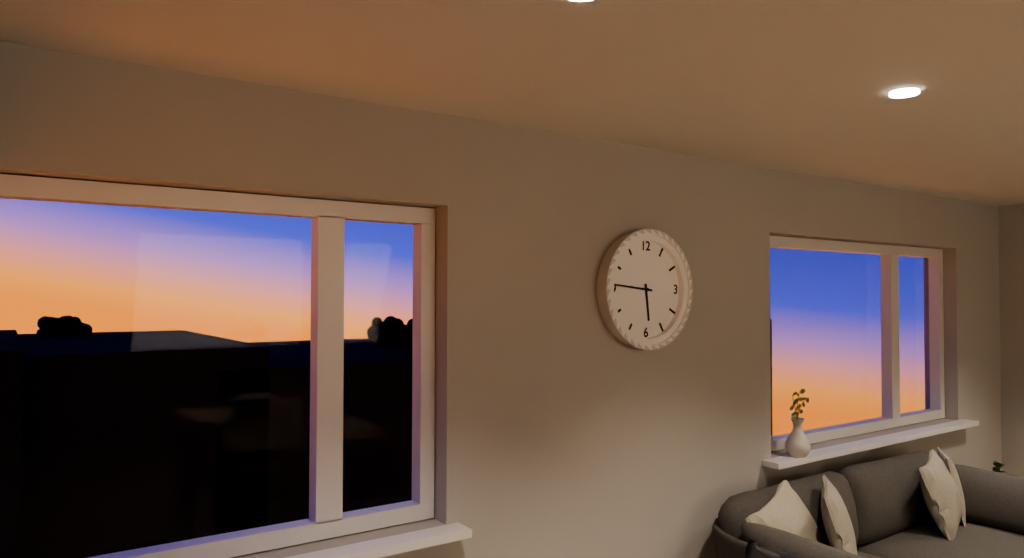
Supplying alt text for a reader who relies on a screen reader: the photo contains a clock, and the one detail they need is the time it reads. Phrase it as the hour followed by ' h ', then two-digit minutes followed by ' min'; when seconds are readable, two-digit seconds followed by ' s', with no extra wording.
5 h 46 min
